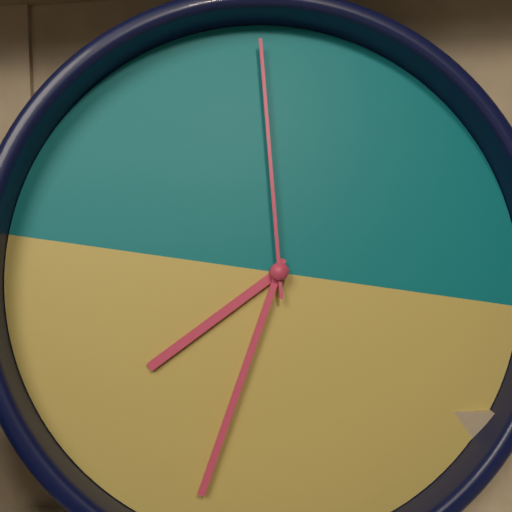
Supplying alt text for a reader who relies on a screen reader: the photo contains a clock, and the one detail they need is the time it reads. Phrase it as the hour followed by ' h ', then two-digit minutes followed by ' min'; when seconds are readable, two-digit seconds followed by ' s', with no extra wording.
7 h 32 min 58 s
